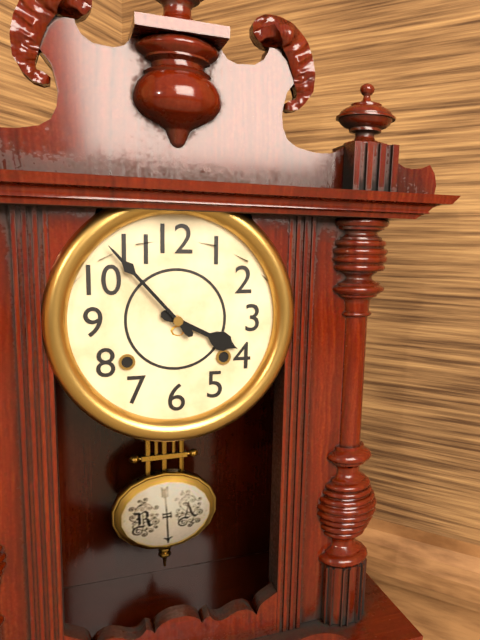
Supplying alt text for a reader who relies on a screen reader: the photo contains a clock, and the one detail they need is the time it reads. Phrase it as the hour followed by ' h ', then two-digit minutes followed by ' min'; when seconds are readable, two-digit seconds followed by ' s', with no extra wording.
3 h 53 min
